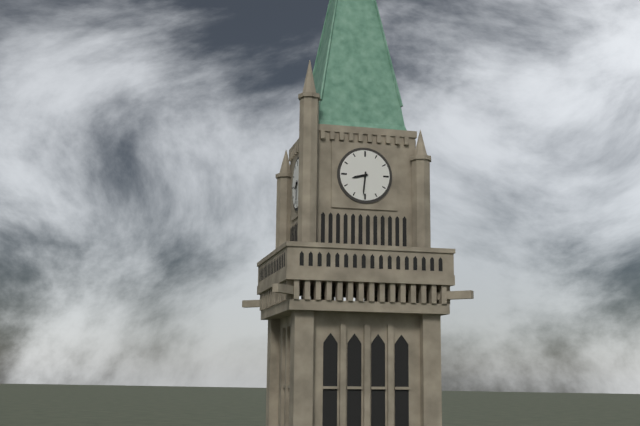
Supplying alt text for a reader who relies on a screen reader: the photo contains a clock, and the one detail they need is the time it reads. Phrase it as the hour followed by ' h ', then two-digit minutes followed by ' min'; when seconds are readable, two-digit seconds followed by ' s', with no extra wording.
8 h 31 min
